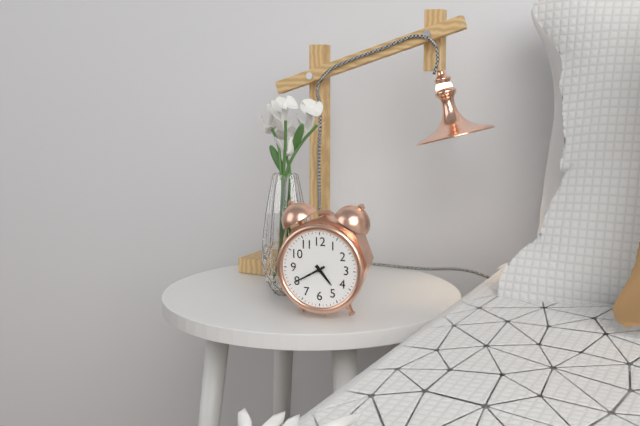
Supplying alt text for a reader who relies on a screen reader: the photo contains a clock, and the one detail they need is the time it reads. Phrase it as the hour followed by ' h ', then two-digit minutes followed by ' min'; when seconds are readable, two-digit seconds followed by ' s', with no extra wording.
4 h 40 min
